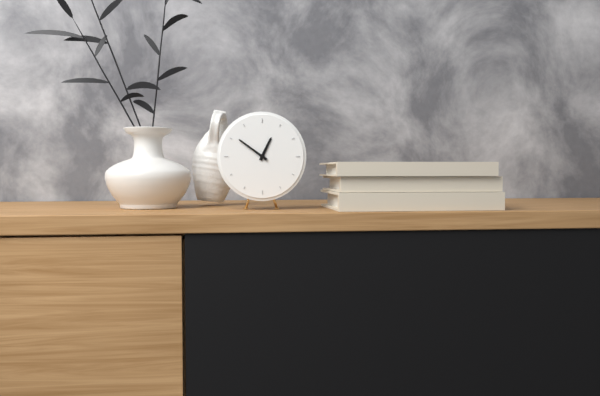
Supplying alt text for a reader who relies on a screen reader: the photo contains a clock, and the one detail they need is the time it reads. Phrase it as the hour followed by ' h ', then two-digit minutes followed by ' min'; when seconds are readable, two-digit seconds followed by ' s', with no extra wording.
12 h 51 min
